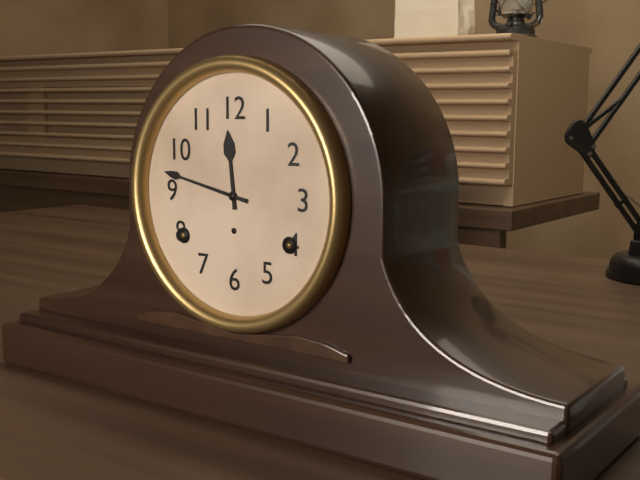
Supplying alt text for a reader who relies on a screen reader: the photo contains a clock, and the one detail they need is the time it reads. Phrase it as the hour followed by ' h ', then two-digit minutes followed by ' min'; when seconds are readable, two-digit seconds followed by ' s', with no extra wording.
11 h 47 min
